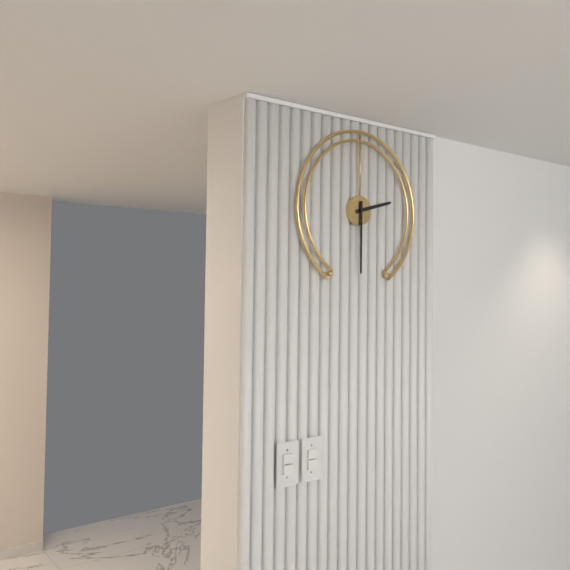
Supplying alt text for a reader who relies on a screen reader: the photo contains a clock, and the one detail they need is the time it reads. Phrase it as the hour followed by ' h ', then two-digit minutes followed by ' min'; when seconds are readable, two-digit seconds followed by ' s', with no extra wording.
2 h 30 min
